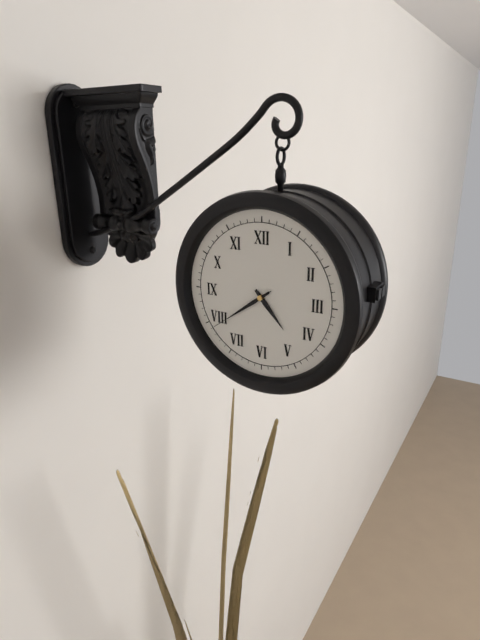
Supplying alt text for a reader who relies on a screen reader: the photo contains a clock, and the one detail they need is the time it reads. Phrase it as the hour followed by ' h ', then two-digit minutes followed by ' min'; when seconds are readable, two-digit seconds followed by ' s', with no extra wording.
4 h 39 min 39 s
